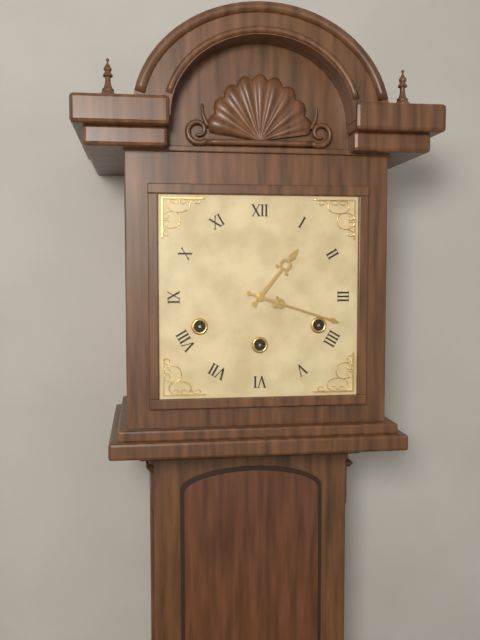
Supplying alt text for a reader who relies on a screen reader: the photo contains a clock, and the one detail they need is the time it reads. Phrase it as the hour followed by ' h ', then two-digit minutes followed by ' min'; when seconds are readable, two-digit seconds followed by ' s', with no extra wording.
1 h 18 min
